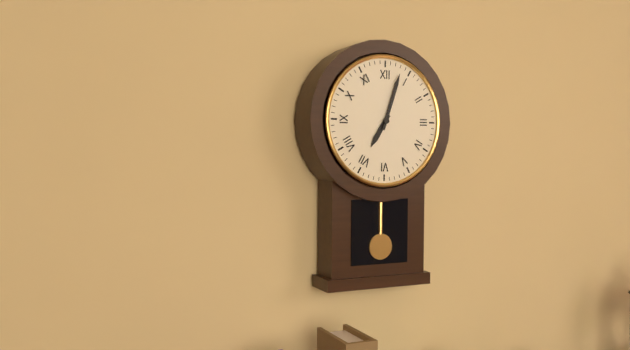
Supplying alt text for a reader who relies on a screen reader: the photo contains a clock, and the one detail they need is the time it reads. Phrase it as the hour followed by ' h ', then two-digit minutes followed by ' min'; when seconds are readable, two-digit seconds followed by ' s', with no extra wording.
7 h 03 min
